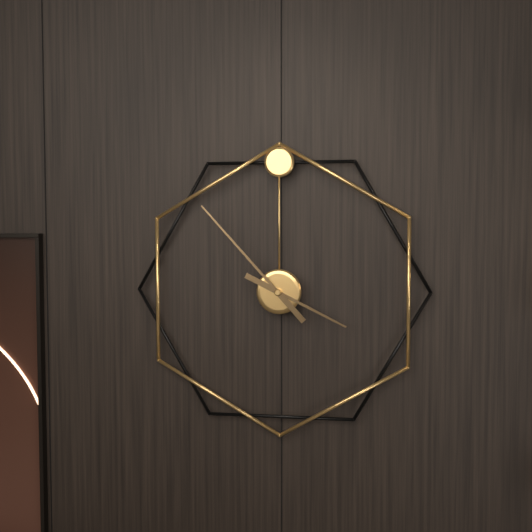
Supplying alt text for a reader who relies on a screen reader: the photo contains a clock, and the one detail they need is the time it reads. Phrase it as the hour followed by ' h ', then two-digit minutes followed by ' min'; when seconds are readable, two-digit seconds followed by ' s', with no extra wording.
3 h 53 min
